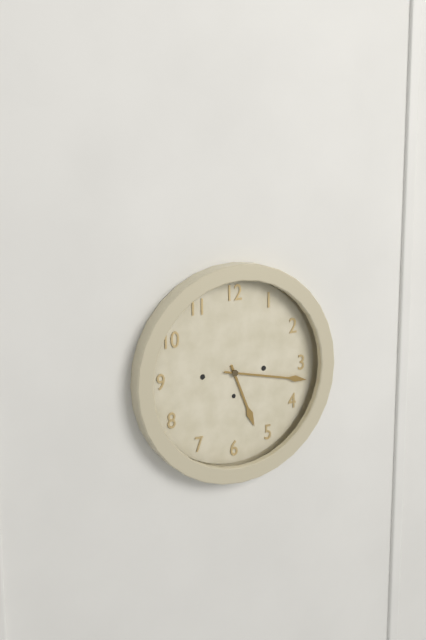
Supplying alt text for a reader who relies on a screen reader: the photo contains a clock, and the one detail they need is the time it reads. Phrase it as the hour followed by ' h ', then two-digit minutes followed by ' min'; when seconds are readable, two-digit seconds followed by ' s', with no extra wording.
5 h 17 min
